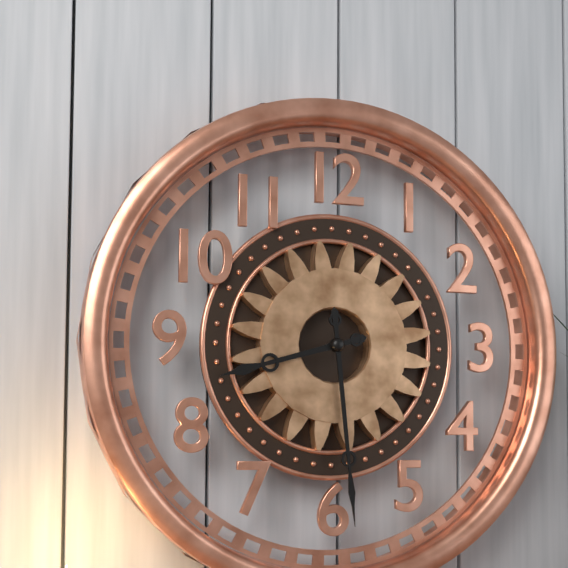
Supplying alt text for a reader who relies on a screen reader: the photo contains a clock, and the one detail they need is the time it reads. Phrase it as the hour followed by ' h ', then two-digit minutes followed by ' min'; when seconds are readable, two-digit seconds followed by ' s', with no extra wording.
8 h 29 min
